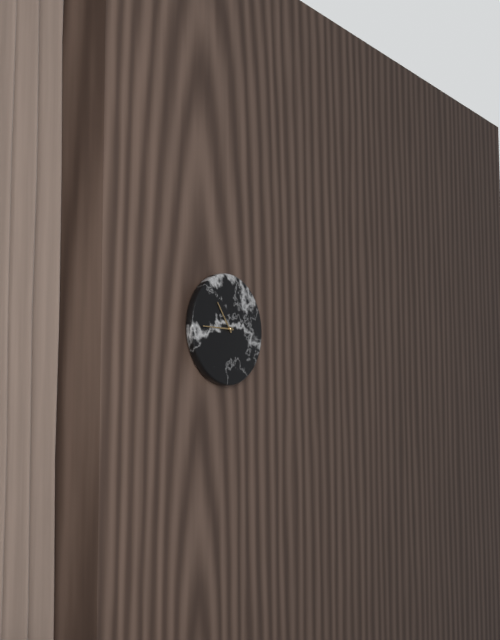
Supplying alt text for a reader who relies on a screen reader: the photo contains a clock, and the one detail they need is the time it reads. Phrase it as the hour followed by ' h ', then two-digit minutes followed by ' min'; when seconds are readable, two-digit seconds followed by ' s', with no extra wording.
10 h 45 min
